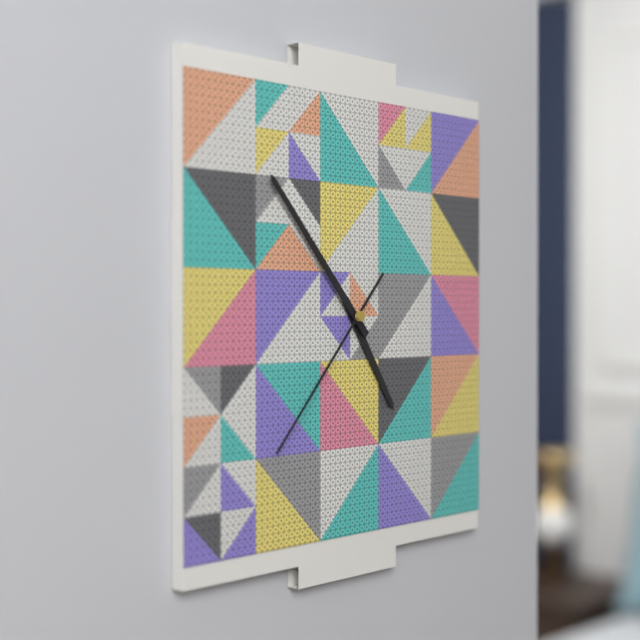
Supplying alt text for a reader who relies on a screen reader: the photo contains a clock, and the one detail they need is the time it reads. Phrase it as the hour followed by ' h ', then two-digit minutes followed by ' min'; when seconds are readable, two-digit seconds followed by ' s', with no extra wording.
4 h 53 min 37 s
